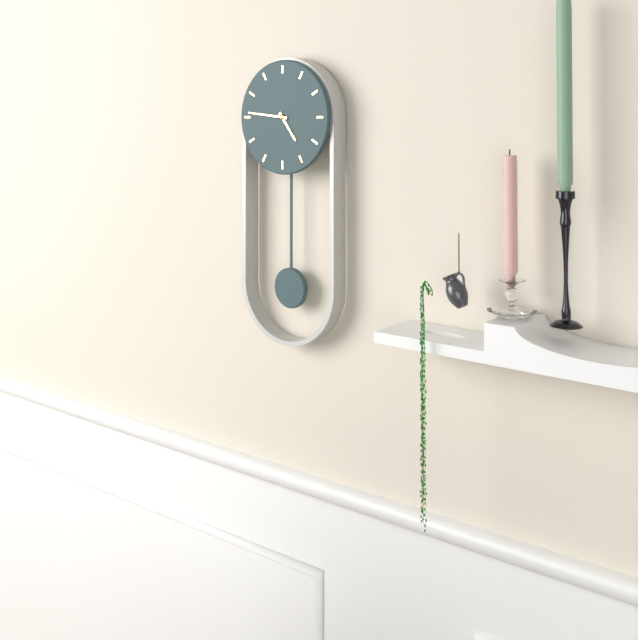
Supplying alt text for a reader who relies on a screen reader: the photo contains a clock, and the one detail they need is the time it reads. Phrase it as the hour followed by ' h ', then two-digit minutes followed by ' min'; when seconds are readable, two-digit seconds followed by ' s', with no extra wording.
4 h 46 min
